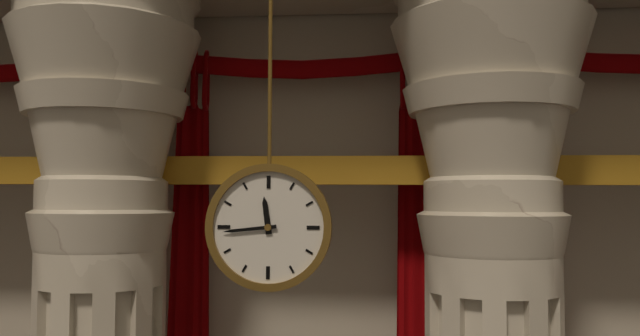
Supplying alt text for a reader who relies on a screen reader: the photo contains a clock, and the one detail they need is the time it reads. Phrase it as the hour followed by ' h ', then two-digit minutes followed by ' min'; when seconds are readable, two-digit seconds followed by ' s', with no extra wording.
11 h 44 min
